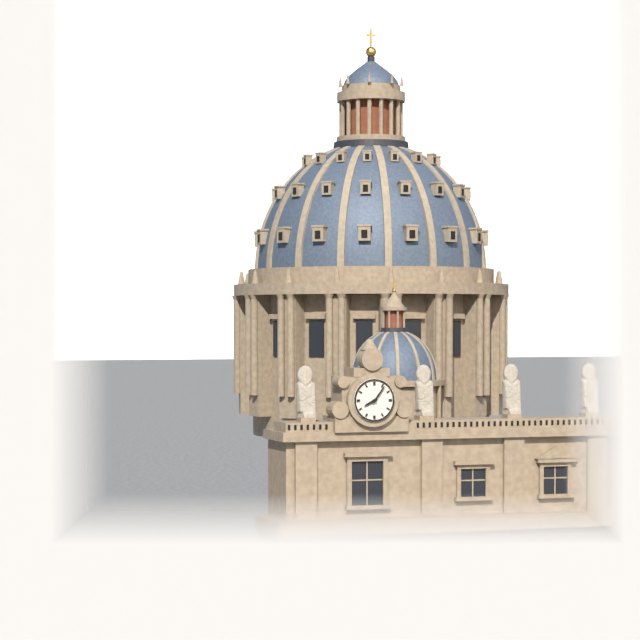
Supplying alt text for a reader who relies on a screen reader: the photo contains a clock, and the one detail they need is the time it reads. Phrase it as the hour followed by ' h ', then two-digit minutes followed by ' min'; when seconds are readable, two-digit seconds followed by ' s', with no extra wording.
8 h 06 min
